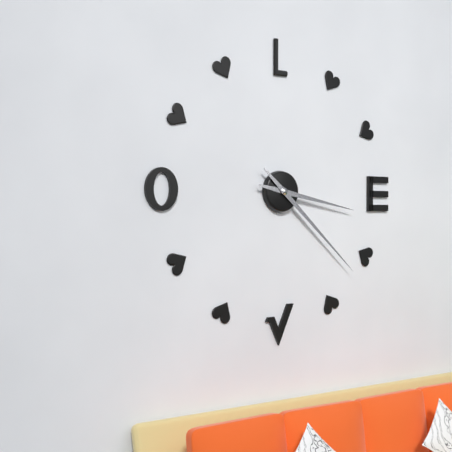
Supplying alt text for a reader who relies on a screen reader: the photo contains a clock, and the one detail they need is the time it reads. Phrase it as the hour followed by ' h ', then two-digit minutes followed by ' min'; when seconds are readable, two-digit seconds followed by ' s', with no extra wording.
3 h 22 min
